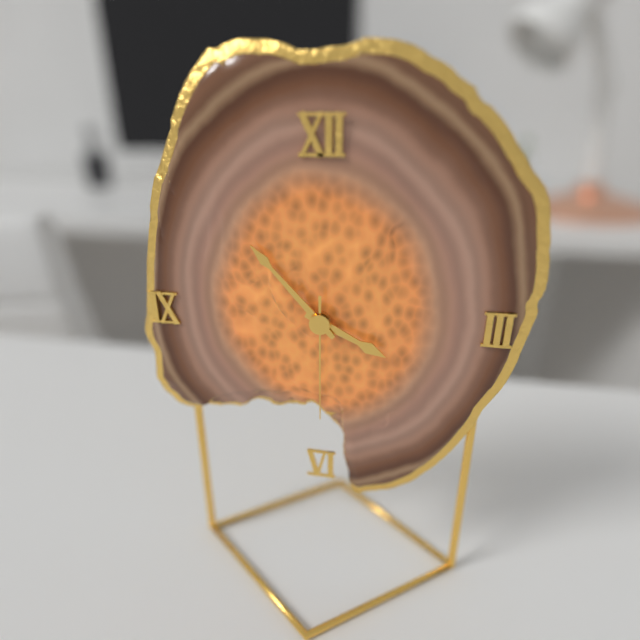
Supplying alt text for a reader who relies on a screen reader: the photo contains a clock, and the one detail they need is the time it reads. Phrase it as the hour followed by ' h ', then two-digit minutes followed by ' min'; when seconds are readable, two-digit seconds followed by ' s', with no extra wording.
3 h 53 min 30 s
